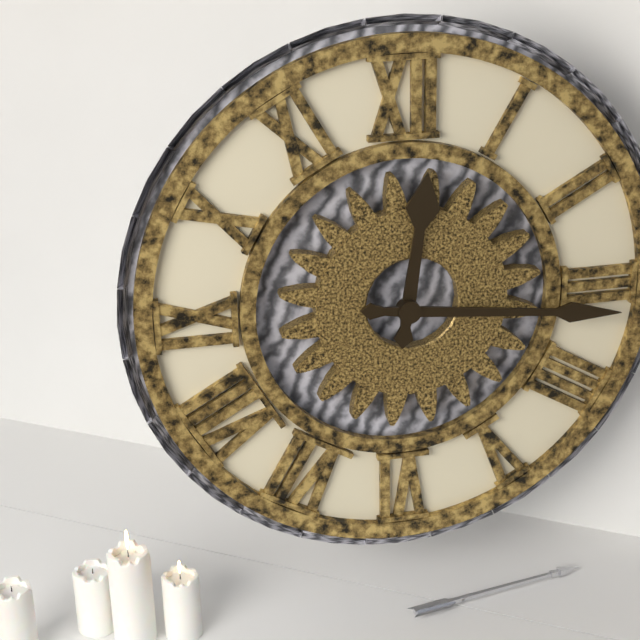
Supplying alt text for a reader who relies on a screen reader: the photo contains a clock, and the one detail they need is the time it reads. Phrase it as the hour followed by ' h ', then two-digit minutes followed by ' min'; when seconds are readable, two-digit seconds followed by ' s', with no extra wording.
12 h 16 min
